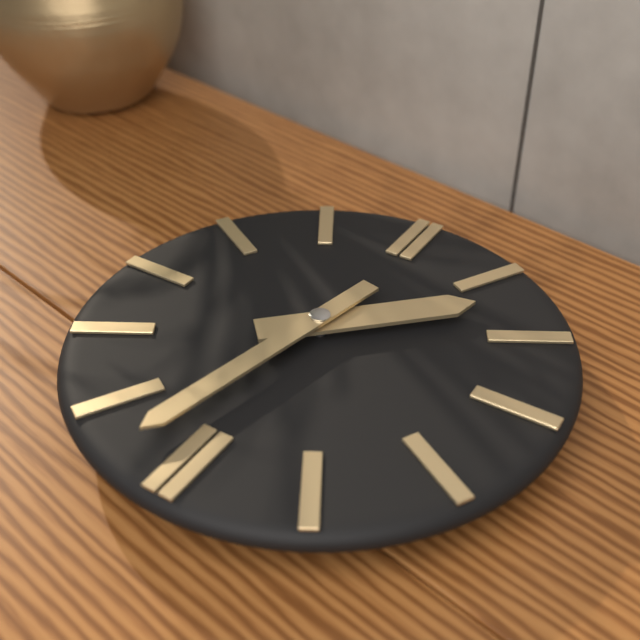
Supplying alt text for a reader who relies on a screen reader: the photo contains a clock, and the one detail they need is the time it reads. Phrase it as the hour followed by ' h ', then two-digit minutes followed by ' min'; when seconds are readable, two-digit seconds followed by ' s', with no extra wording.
1 h 32 min
